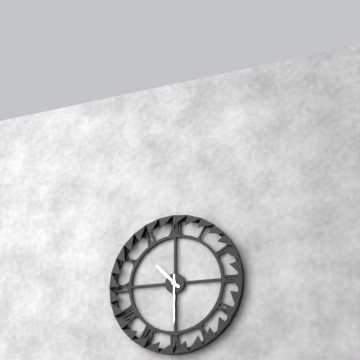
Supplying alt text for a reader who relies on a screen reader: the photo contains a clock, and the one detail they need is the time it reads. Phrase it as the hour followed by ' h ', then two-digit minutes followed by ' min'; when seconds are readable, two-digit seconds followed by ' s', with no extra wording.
10 h 30 min
